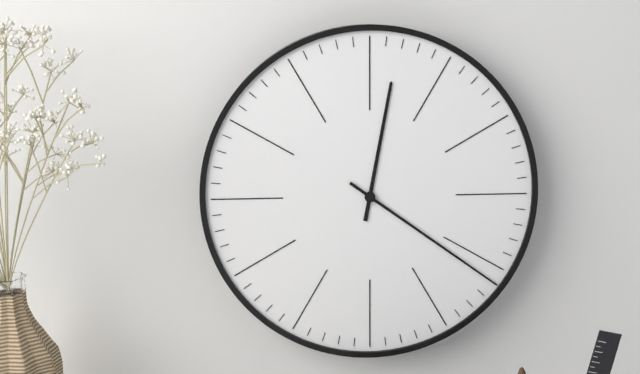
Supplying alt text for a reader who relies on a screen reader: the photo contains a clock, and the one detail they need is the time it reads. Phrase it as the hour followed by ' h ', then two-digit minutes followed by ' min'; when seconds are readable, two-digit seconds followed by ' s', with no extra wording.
12 h 21 min
